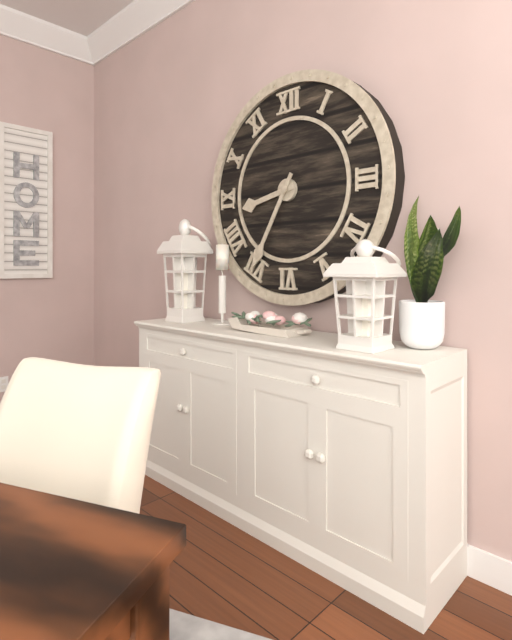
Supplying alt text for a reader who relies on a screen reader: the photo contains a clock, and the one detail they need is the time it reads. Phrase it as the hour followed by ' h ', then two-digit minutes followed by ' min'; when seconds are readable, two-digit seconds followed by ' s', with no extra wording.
8 h 35 min
